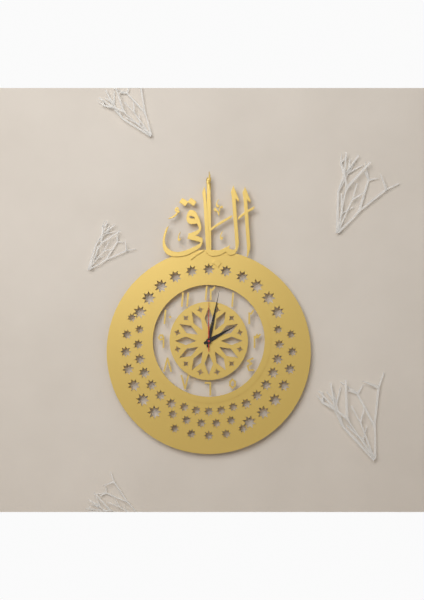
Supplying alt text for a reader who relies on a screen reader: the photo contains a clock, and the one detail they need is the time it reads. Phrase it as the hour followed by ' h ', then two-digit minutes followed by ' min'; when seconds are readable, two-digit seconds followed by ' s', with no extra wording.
2 h 02 min 00 s
